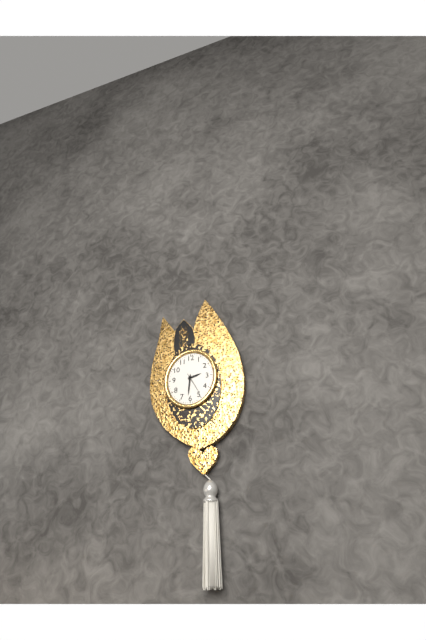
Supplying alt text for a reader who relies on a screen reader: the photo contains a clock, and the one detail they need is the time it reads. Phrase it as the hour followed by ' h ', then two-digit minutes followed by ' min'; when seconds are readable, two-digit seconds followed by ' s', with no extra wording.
2 h 31 min
